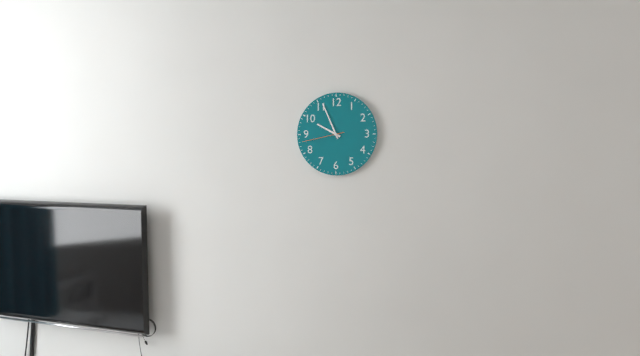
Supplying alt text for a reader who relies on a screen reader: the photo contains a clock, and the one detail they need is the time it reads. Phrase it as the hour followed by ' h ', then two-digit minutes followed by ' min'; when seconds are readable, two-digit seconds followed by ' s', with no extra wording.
9 h 56 min
